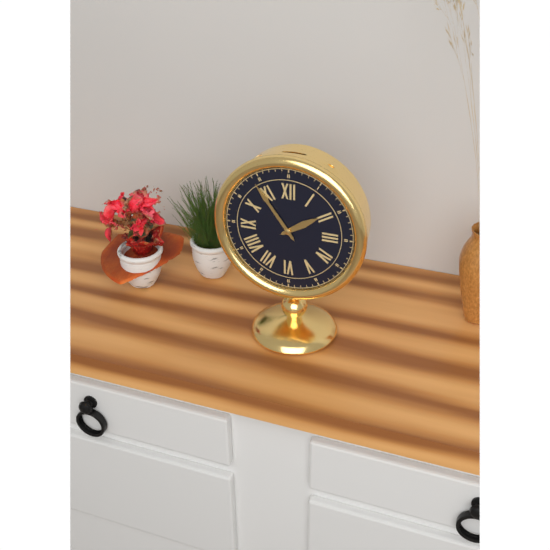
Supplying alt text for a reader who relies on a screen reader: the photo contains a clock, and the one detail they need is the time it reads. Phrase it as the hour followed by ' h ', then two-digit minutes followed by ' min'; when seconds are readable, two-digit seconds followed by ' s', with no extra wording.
1 h 54 min
